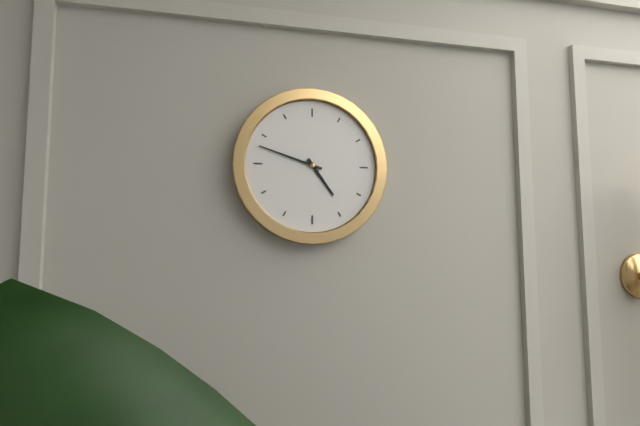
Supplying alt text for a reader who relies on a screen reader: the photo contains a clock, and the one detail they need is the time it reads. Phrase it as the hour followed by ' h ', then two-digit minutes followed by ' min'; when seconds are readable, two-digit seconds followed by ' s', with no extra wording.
4 h 48 min
